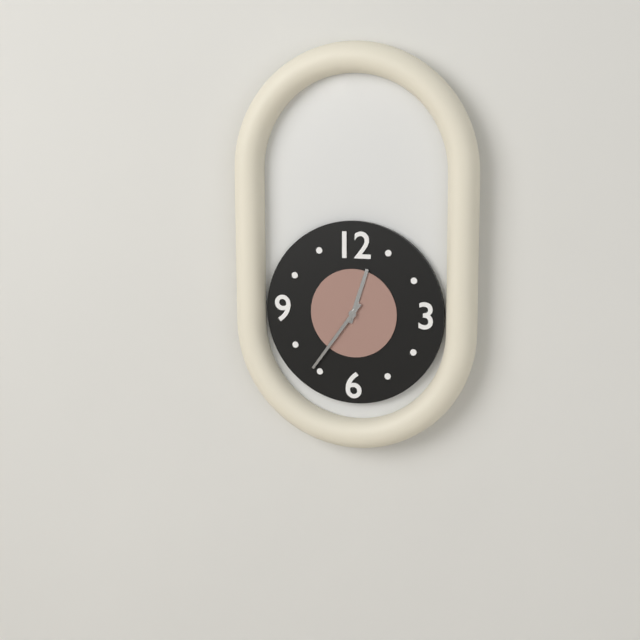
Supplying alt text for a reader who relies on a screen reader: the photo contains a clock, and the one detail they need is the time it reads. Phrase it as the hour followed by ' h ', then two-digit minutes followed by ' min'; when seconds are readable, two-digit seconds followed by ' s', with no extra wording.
12 h 36 min
